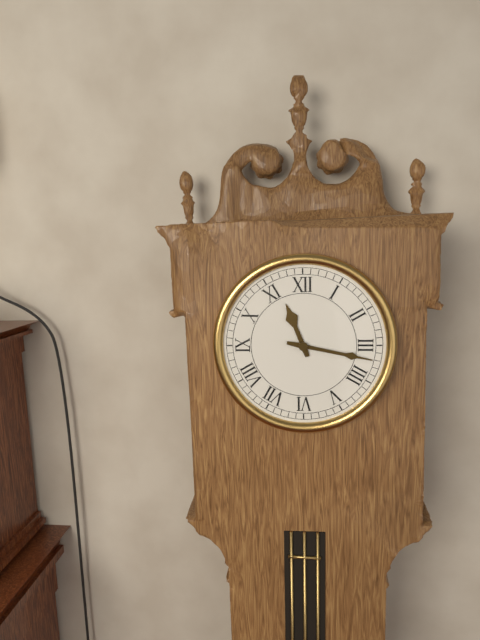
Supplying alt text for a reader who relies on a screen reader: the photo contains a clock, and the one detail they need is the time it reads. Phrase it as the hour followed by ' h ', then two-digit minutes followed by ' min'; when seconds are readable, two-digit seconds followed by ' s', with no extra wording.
11 h 17 min
